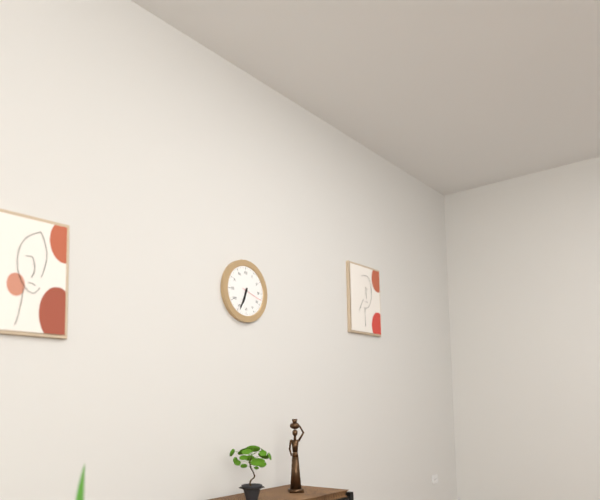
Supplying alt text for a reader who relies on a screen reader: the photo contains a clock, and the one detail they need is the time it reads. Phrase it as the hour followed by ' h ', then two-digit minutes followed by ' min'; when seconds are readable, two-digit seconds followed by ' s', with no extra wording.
6 h 34 min
